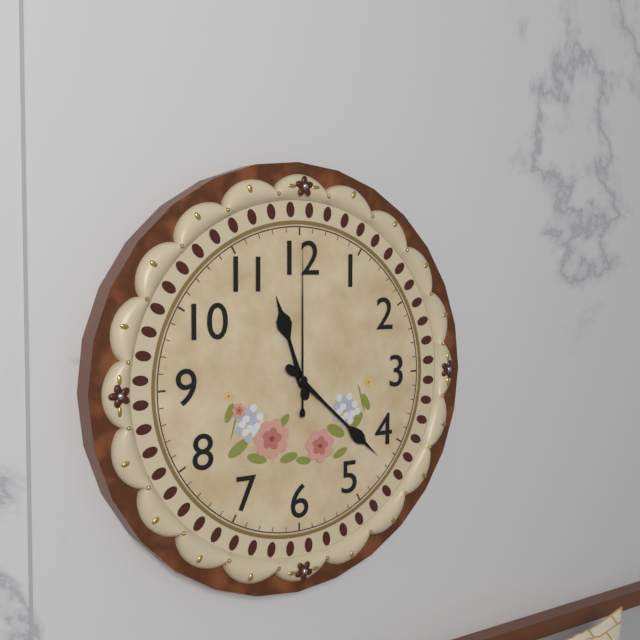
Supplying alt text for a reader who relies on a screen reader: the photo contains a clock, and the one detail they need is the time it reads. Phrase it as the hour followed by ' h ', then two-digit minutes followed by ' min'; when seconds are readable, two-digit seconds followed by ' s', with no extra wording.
11 h 22 min 00 s
